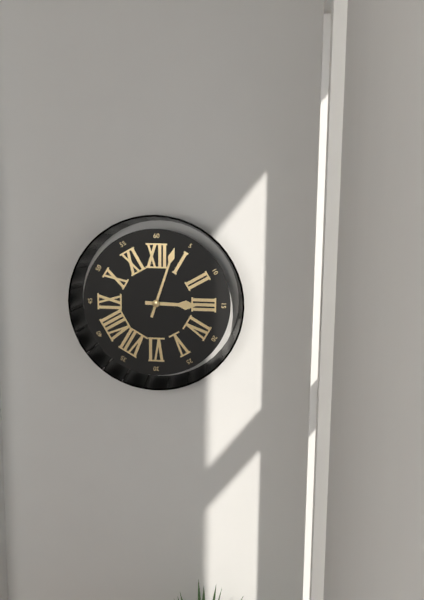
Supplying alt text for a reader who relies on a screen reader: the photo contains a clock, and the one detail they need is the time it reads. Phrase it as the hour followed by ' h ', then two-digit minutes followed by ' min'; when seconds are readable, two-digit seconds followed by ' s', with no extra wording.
3 h 03 min
